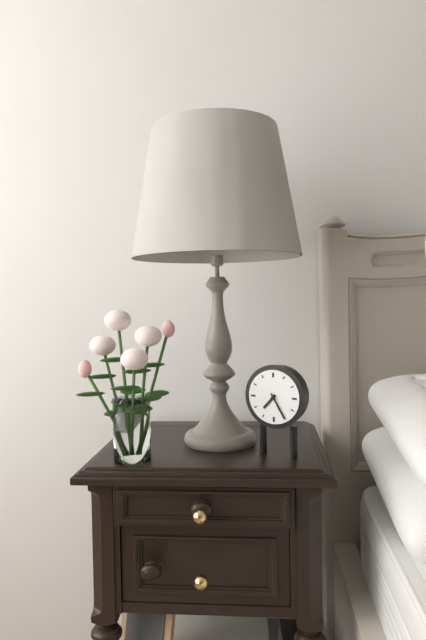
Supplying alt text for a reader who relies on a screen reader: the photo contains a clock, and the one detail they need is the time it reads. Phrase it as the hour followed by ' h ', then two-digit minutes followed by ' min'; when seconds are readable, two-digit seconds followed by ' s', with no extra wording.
7 h 25 min
